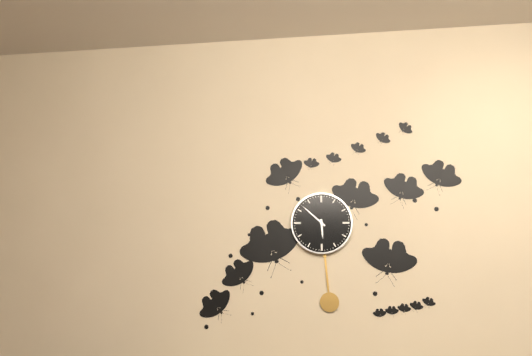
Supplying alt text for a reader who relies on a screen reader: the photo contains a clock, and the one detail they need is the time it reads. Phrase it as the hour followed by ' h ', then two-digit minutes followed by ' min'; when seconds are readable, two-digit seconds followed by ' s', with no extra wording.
5 h 52 min
